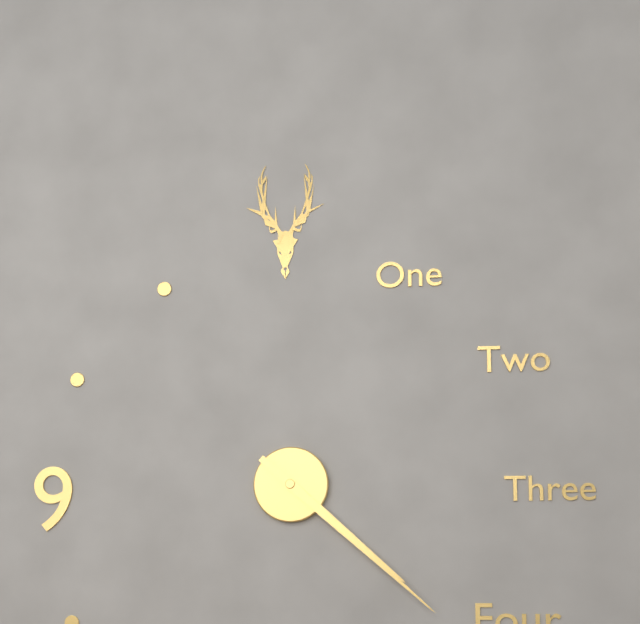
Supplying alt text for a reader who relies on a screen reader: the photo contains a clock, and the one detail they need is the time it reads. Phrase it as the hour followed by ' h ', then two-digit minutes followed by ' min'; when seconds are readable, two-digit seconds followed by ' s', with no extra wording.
4 h 22 min
